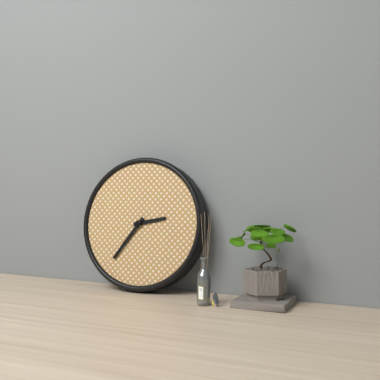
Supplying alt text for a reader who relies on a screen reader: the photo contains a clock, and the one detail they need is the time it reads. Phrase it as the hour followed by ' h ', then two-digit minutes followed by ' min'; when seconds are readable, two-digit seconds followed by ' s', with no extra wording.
2 h 36 min
